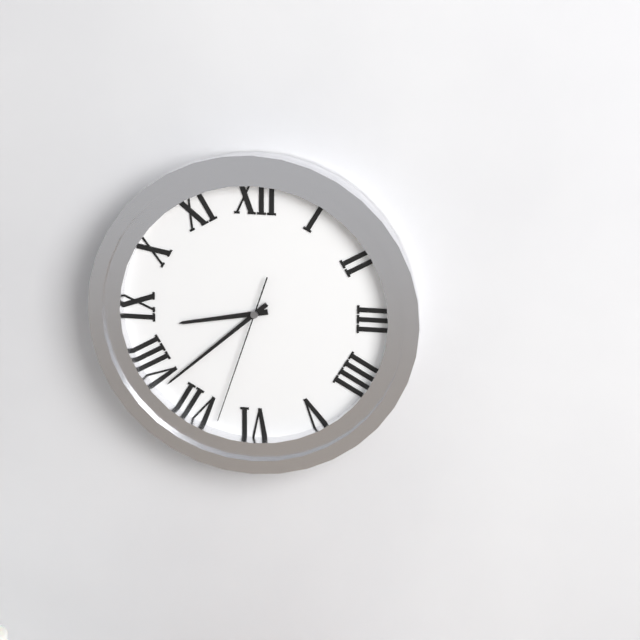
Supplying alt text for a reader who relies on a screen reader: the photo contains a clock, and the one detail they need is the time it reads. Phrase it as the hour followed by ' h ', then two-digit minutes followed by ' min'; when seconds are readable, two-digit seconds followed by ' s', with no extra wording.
8 h 38 min 33 s
